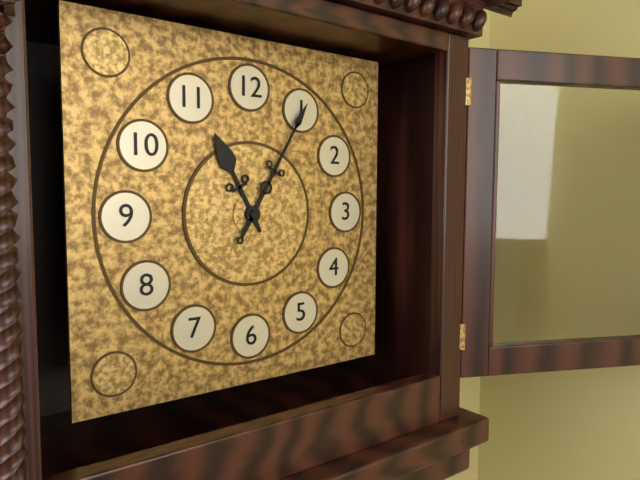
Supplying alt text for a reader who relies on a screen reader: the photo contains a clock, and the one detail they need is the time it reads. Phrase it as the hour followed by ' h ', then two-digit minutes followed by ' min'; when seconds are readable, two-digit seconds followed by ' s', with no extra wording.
11 h 05 min
